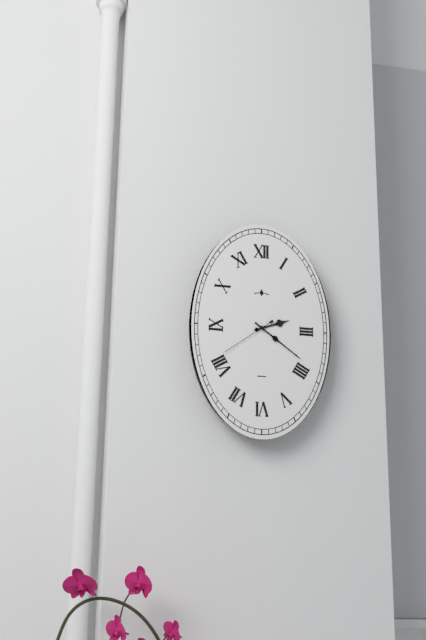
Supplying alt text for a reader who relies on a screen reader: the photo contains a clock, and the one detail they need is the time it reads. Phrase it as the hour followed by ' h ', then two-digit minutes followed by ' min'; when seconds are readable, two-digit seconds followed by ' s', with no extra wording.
2 h 21 min 39 s
